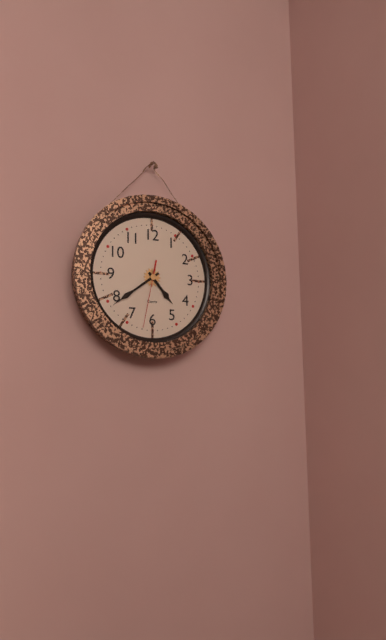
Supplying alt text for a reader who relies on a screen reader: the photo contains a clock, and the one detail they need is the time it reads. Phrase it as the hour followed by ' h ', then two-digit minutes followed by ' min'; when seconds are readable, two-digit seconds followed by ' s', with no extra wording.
4 h 39 min 32 s
